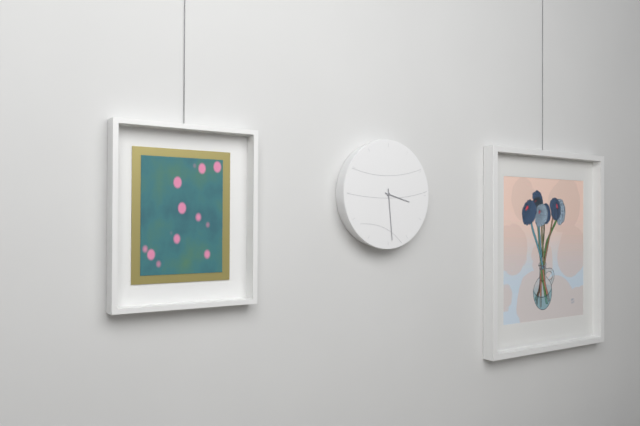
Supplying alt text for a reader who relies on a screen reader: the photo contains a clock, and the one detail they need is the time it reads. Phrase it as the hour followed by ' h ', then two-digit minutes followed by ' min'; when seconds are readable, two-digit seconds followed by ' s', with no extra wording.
3 h 29 min
